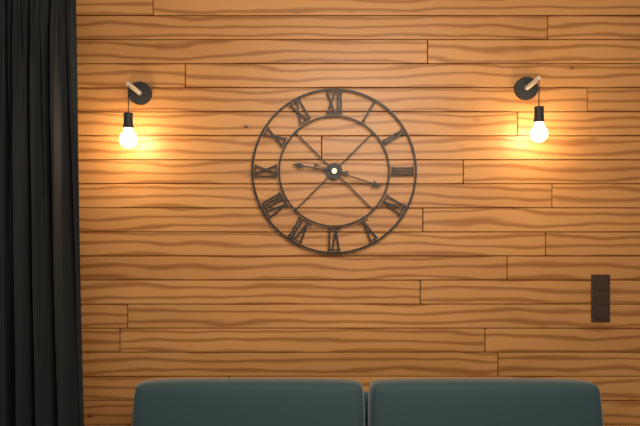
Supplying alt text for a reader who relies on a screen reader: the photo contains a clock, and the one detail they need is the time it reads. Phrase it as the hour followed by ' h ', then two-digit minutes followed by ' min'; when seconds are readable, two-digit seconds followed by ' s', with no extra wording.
9 h 18 min
